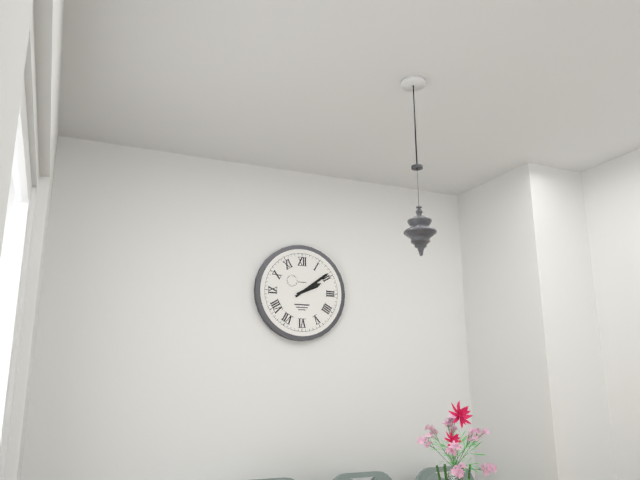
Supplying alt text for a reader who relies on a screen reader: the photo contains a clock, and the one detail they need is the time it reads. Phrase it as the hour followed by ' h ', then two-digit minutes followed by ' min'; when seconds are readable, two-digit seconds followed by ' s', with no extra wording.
2 h 09 min
